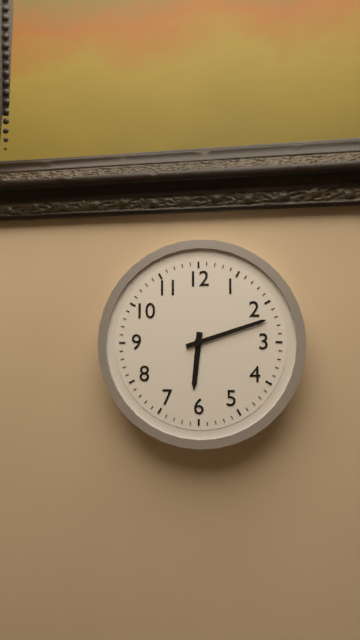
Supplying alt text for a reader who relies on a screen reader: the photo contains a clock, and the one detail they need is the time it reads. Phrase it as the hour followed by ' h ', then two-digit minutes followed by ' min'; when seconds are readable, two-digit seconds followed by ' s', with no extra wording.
6 h 12 min
